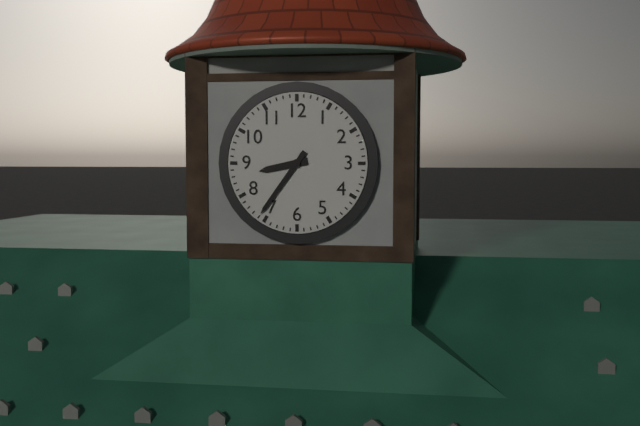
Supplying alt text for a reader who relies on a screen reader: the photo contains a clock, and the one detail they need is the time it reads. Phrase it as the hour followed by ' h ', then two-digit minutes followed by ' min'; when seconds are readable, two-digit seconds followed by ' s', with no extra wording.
8 h 36 min
